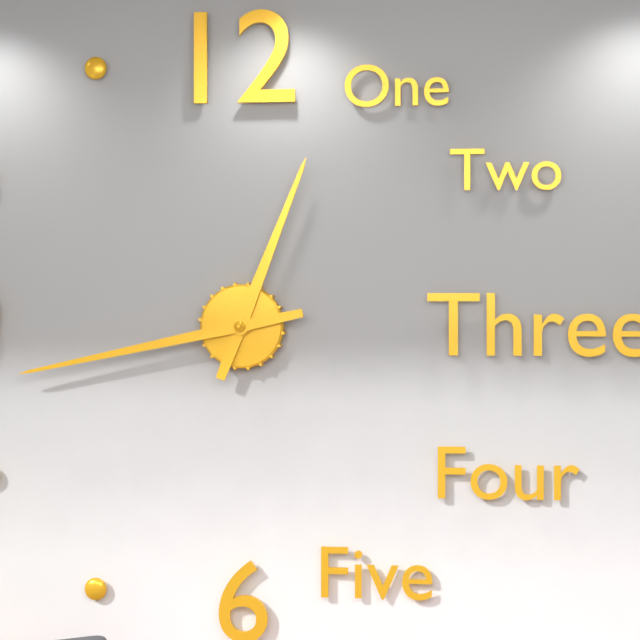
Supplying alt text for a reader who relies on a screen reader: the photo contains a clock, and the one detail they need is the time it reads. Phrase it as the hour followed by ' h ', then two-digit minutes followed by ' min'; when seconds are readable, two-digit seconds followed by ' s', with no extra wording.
12 h 43 min
